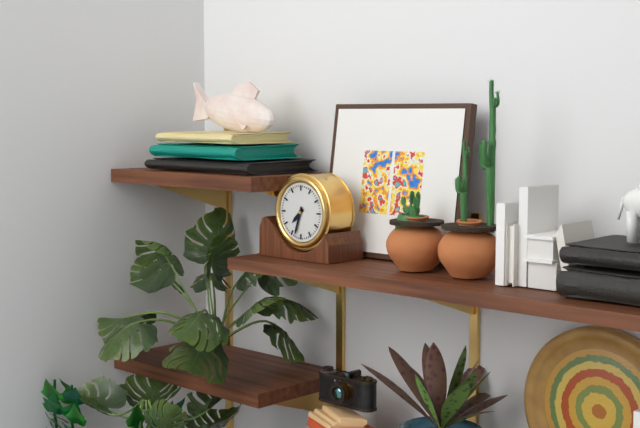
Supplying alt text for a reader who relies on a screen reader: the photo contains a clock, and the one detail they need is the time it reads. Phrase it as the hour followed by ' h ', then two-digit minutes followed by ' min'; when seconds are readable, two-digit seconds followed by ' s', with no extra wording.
7 h 33 min
